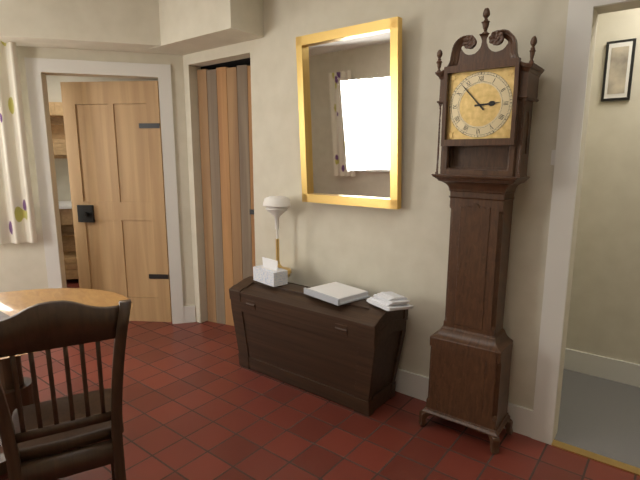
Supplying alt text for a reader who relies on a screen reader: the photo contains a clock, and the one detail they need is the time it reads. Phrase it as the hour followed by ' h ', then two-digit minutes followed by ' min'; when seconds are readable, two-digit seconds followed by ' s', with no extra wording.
2 h 53 min
